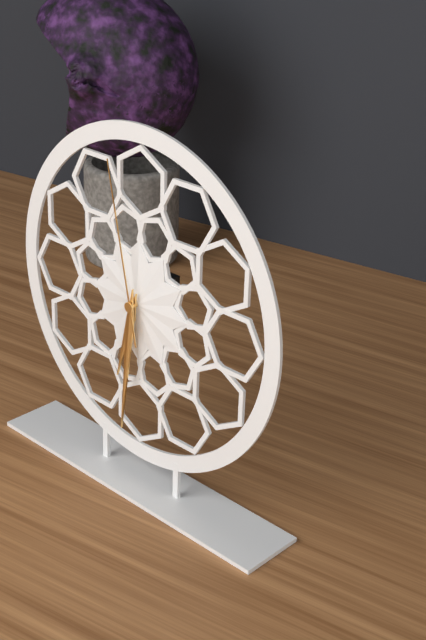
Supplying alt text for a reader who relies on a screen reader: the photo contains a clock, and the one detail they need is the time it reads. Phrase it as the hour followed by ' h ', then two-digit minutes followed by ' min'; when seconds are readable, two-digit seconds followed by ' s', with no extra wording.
6 h 31 min 58 s
